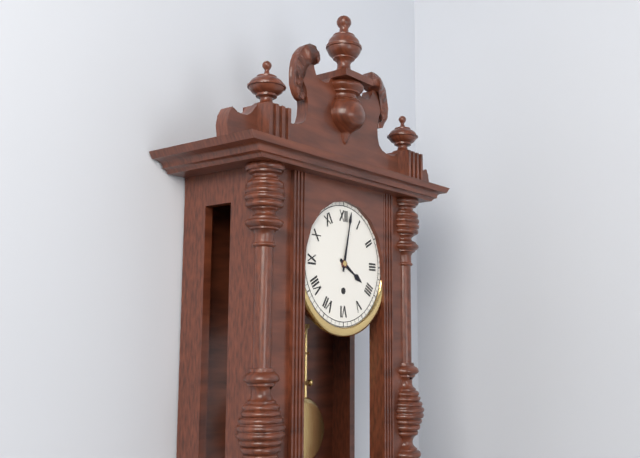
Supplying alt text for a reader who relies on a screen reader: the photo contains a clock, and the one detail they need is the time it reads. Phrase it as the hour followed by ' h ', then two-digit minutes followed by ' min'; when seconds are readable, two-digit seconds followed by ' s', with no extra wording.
4 h 02 min
